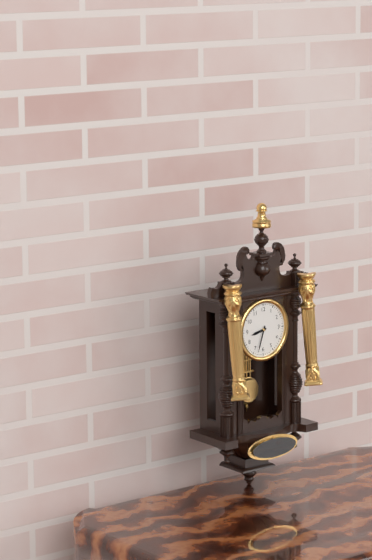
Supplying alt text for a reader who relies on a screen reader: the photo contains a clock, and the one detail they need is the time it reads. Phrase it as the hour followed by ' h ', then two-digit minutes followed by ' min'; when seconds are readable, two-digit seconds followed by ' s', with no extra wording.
8 h 33 min
